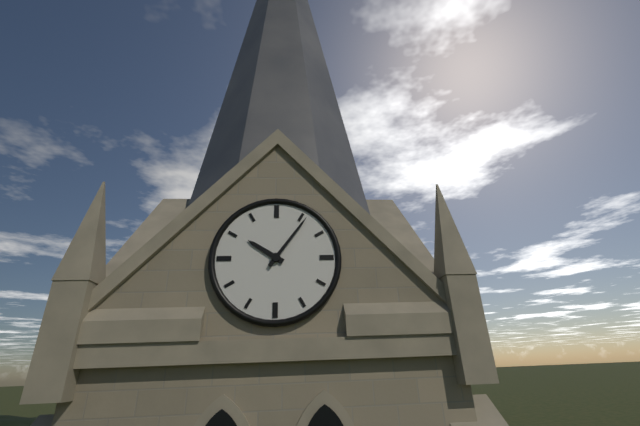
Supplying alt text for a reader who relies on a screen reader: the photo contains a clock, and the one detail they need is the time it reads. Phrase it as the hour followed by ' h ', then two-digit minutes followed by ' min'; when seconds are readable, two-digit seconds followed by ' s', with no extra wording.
10 h 06 min
